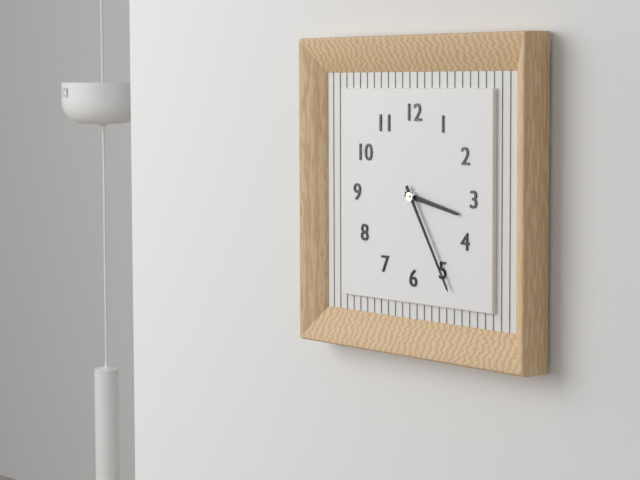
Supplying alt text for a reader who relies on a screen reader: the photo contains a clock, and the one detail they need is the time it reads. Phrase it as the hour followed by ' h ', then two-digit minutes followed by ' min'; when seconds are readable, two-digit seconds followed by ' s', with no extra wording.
3 h 25 min
